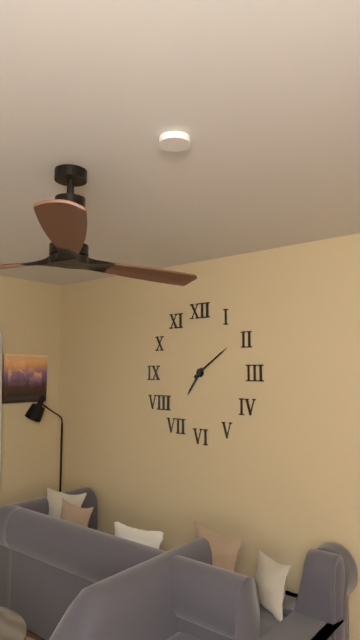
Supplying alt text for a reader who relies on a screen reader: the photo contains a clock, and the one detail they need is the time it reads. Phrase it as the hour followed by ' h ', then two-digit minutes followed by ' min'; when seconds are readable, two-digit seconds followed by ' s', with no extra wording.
7 h 09 min
